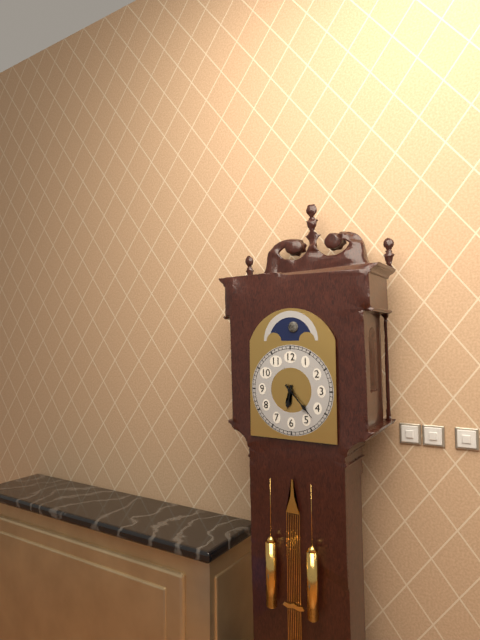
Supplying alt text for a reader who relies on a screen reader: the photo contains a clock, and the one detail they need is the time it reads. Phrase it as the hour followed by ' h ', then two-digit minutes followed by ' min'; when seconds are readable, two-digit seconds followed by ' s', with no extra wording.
6 h 23 min
